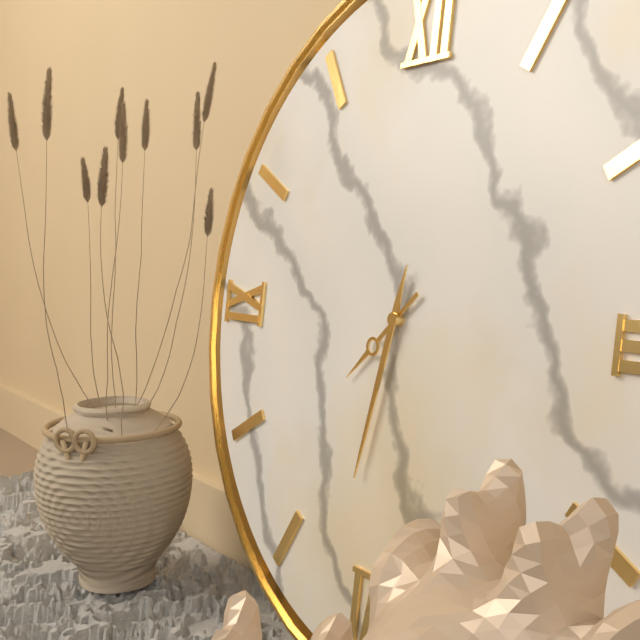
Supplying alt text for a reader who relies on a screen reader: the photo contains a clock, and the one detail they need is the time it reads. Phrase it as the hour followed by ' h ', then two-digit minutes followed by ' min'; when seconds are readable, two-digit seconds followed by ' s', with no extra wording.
7 h 32 min
